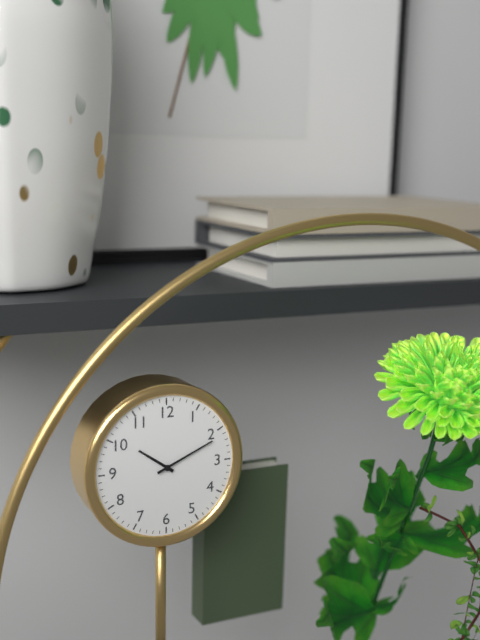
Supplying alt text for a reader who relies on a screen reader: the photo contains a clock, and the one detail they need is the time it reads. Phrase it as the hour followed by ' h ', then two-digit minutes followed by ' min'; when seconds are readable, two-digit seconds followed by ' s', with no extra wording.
10 h 11 min
